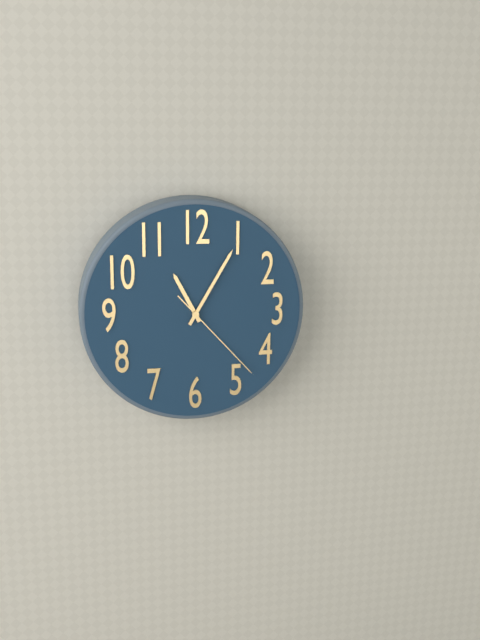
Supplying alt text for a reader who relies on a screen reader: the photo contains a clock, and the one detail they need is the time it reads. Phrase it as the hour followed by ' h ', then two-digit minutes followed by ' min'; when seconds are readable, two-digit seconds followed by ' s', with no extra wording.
11 h 05 min 23 s
